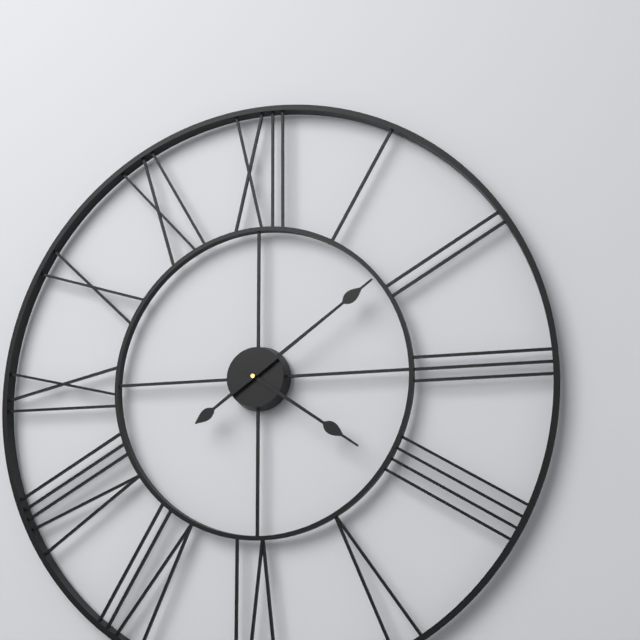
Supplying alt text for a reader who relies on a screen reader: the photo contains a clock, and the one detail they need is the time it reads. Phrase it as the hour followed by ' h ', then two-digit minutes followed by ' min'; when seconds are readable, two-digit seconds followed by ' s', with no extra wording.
4 h 09 min
